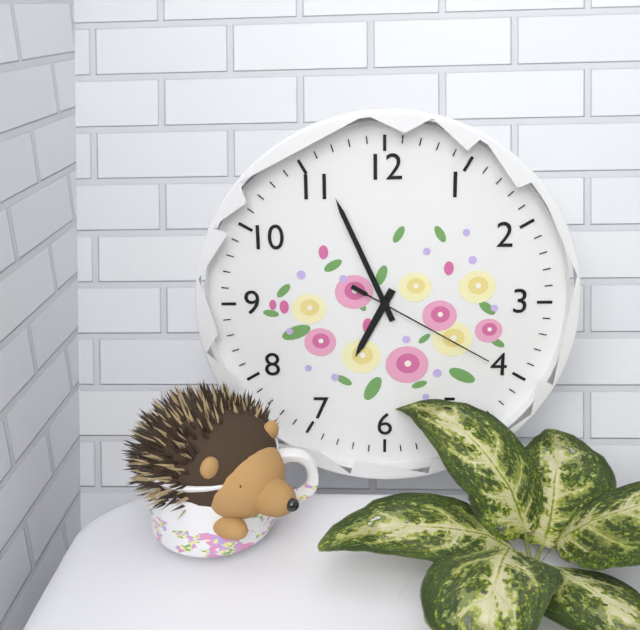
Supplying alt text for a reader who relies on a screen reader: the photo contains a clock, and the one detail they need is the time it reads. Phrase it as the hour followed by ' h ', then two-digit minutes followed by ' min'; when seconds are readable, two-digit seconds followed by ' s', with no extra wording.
6 h 56 min 20 s
